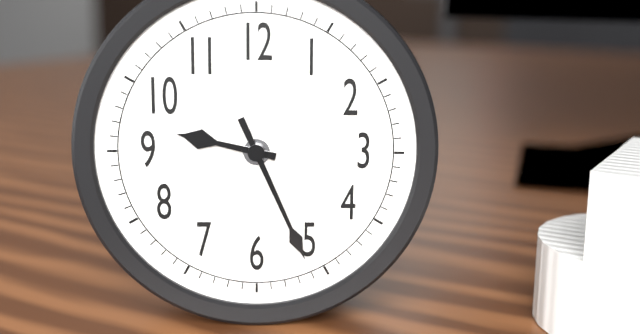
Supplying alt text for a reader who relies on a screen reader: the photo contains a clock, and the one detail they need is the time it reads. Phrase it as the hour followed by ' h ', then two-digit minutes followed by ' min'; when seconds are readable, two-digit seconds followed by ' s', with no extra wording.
9 h 26 min
